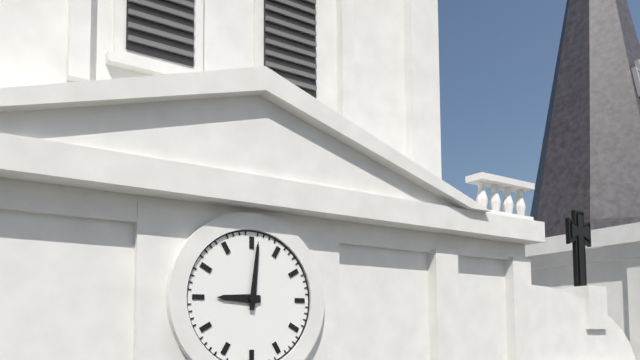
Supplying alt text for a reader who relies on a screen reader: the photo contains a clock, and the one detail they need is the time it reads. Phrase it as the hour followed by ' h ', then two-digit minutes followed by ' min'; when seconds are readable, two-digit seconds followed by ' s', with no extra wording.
9 h 01 min
